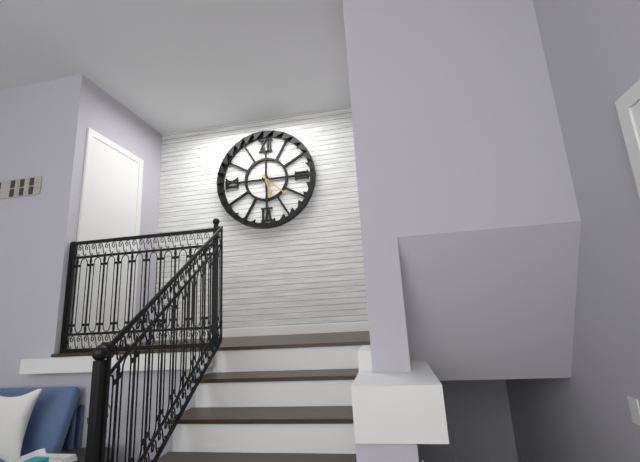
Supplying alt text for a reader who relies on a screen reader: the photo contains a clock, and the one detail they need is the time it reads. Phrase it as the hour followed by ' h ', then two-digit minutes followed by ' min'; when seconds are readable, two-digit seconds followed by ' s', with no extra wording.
5 h 22 min
